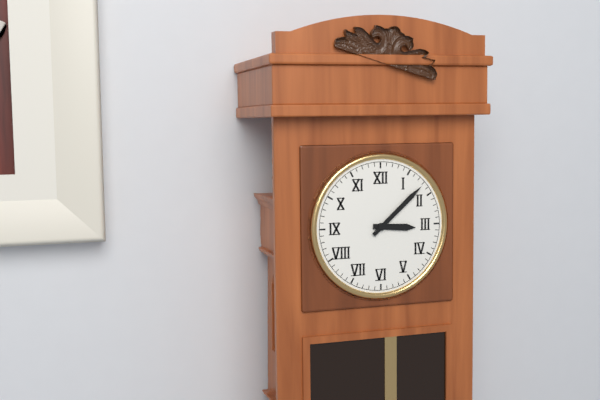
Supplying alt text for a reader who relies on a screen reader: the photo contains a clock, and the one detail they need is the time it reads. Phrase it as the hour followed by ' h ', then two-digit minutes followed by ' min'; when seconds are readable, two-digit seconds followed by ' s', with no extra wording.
3 h 08 min
